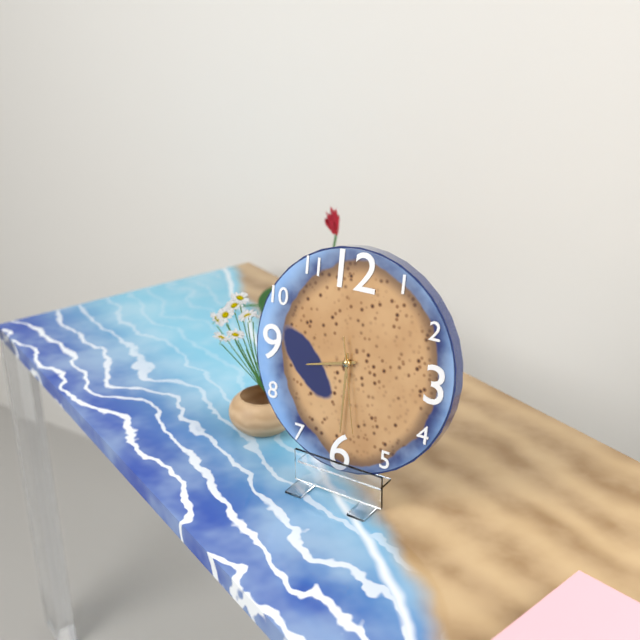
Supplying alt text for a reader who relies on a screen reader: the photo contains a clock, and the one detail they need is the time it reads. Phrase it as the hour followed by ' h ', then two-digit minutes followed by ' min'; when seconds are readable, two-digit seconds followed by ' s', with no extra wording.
8 h 30 min 28 s
